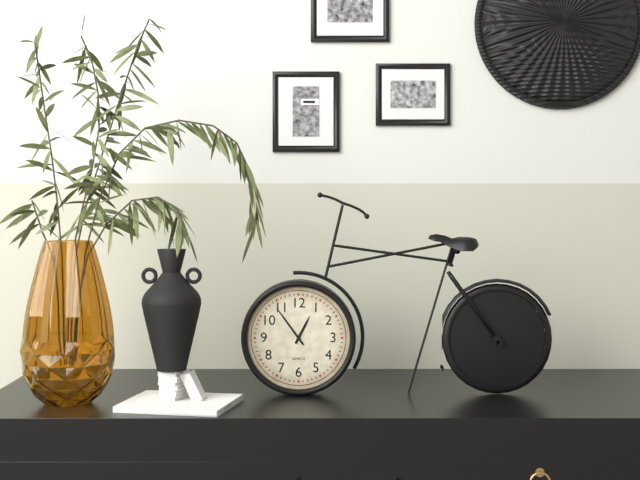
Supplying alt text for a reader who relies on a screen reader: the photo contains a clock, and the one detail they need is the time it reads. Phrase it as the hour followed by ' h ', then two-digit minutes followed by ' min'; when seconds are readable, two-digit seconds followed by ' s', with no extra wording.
12 h 54 min
